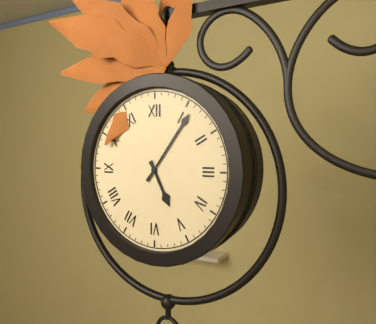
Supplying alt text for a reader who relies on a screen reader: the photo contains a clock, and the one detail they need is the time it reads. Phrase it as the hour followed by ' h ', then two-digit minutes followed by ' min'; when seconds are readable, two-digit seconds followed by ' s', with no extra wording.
5 h 06 min
